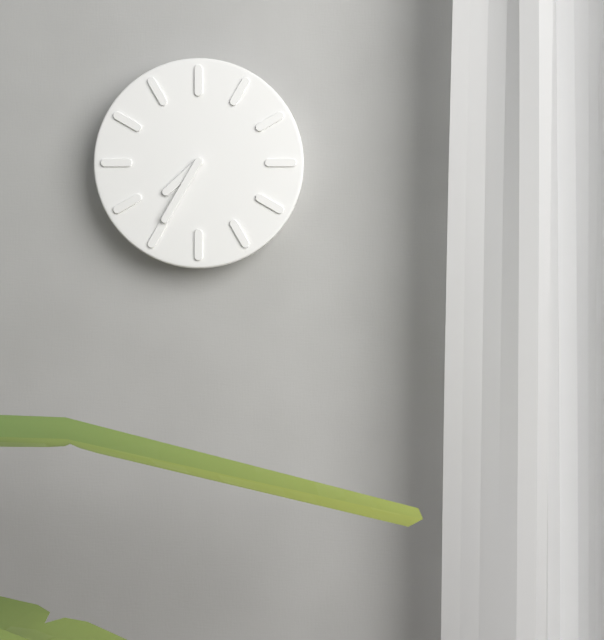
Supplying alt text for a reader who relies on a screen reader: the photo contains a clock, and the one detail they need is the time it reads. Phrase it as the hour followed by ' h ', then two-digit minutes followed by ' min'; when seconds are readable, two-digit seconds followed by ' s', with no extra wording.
7 h 35 min
